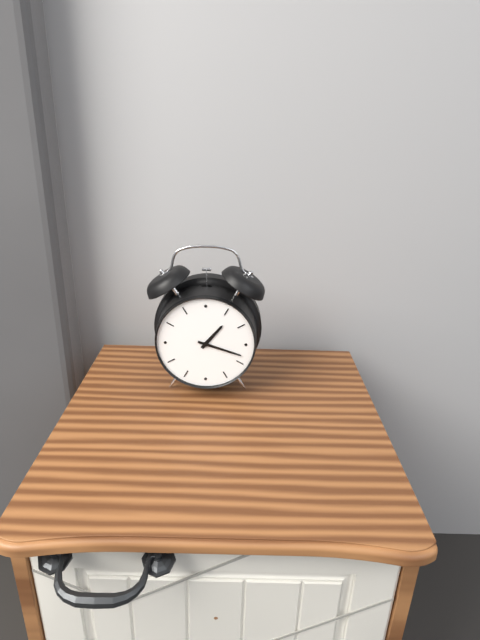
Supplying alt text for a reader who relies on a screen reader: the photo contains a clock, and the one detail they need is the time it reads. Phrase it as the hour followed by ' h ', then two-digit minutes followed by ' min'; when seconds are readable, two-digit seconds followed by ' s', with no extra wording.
1 h 18 min
